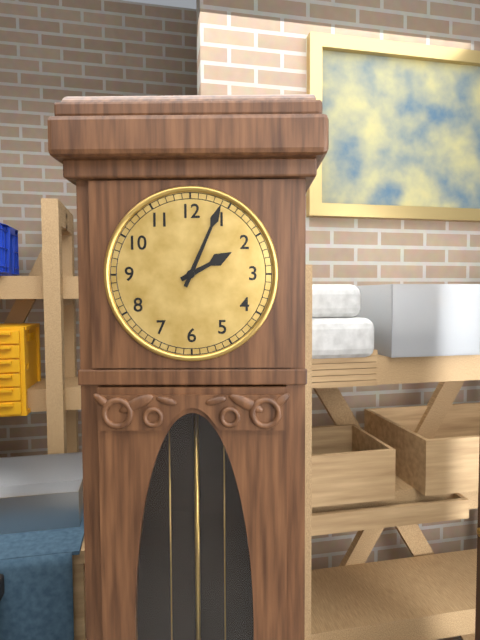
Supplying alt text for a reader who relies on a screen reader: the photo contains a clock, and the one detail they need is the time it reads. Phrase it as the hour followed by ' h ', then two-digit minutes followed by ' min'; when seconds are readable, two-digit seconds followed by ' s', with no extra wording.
2 h 04 min
